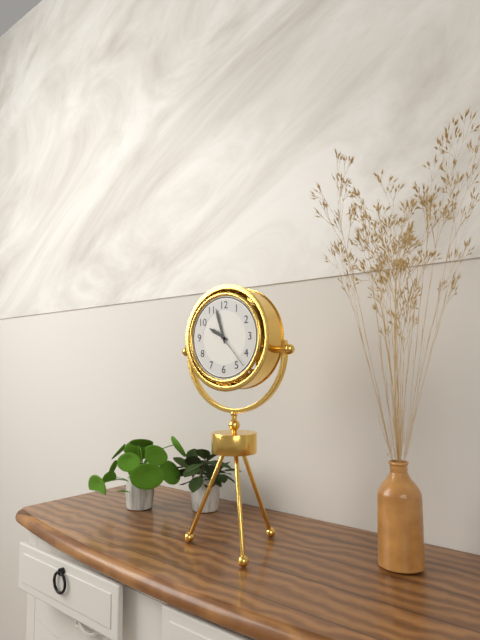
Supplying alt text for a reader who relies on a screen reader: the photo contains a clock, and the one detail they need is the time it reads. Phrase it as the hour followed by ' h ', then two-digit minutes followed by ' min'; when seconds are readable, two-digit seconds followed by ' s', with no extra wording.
9 h 57 min
